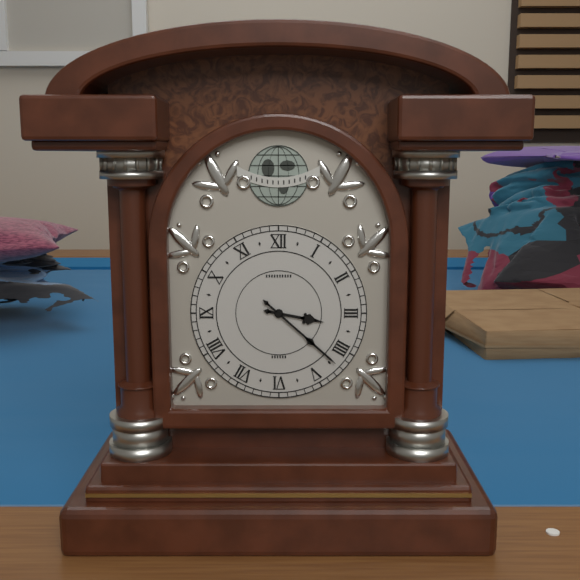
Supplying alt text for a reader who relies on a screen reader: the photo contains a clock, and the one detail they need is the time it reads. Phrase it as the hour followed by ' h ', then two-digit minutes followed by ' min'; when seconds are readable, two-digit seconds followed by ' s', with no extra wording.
3 h 22 min
